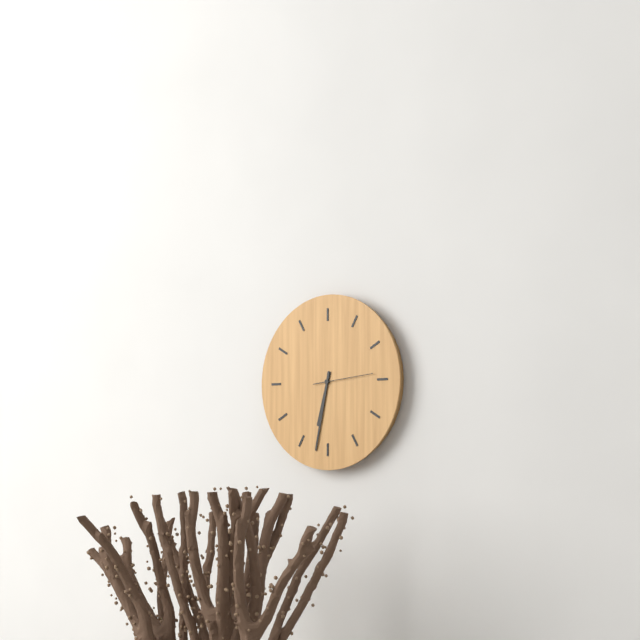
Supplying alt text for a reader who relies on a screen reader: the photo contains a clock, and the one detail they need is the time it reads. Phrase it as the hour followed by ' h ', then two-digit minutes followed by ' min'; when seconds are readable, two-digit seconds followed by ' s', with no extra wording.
6 h 32 min 14 s
